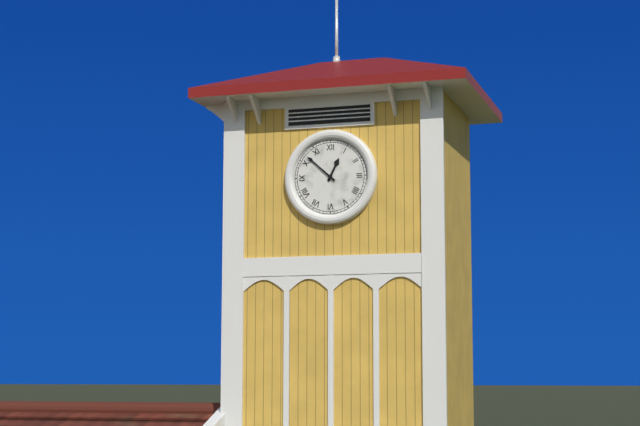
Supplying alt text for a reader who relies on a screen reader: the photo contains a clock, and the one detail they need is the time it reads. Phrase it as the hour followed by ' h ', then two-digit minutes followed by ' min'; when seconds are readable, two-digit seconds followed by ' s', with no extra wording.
12 h 52 min
